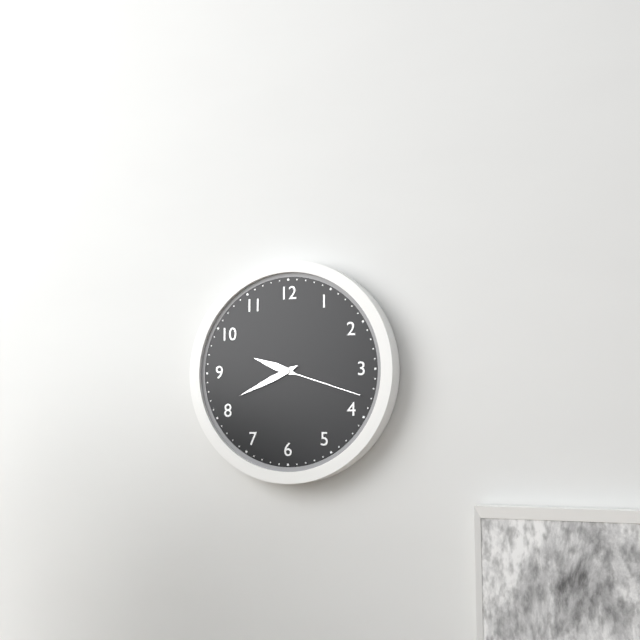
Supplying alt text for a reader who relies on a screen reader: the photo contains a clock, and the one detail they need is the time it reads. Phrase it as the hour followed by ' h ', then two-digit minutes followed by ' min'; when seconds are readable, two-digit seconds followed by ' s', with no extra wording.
9 h 41 min 18 s
